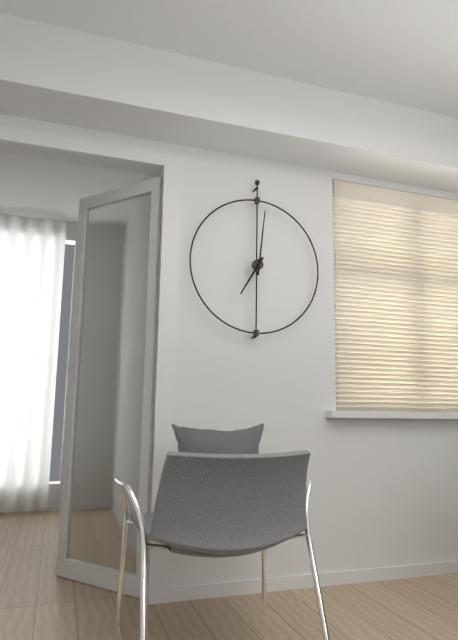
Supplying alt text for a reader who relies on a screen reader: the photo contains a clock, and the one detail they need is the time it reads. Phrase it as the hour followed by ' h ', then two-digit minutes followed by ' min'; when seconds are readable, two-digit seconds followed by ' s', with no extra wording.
7 h 01 min
